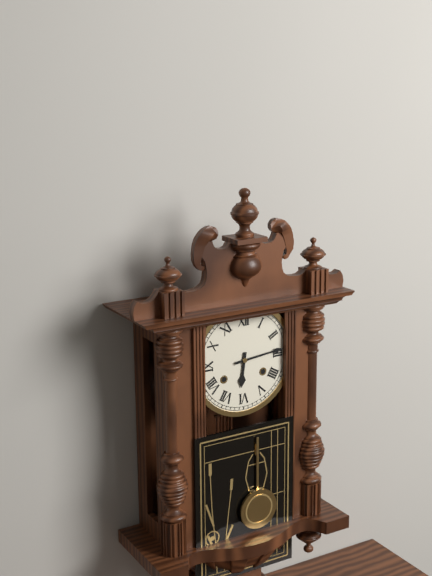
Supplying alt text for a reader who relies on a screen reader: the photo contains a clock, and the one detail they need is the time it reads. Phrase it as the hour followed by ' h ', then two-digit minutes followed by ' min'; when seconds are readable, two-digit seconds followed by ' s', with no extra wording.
6 h 14 min
